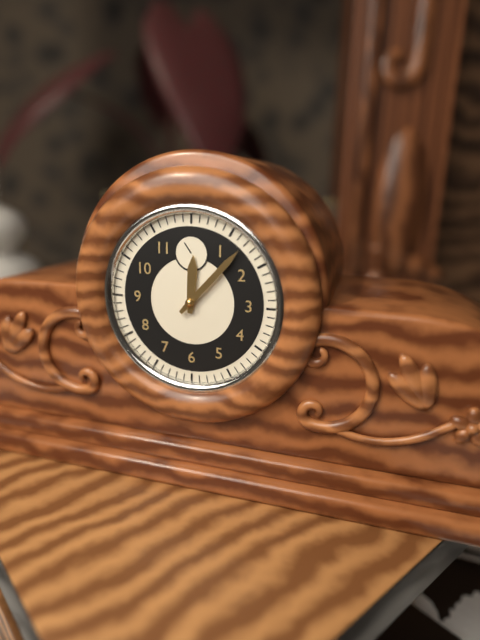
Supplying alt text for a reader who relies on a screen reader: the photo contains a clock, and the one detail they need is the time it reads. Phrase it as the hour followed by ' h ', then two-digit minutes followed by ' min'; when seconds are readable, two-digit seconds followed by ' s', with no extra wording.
12 h 07 min
